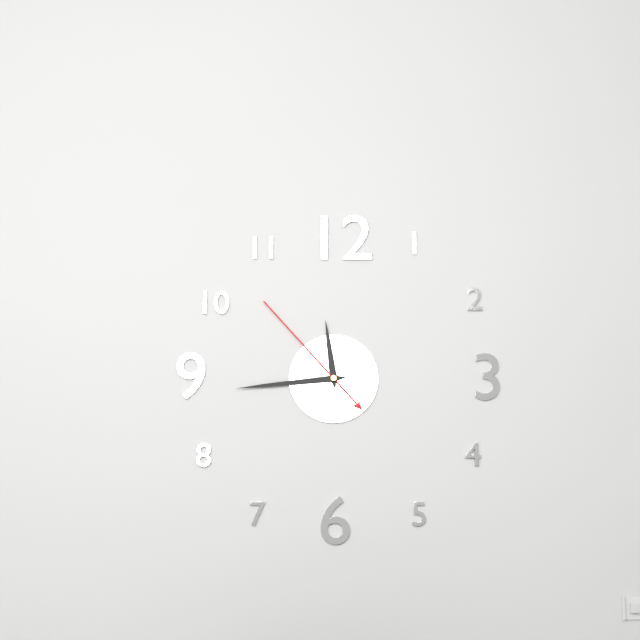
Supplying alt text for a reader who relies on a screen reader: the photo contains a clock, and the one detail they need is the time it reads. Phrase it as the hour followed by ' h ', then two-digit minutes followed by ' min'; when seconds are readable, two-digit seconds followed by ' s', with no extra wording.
11 h 44 min 53 s
